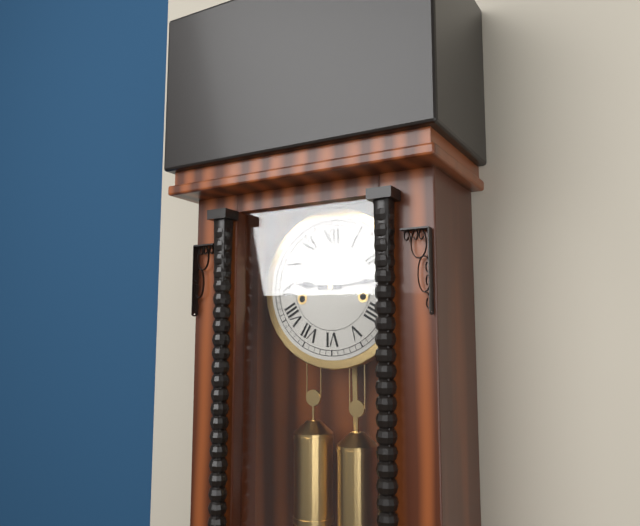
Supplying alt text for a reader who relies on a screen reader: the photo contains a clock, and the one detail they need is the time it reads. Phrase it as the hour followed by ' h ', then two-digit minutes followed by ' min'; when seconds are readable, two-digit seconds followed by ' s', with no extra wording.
9 h 14 min
